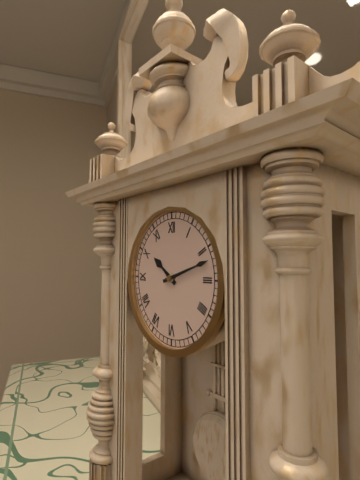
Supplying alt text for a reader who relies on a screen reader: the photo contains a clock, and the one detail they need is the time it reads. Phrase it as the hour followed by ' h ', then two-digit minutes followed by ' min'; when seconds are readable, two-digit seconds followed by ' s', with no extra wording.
10 h 12 min
